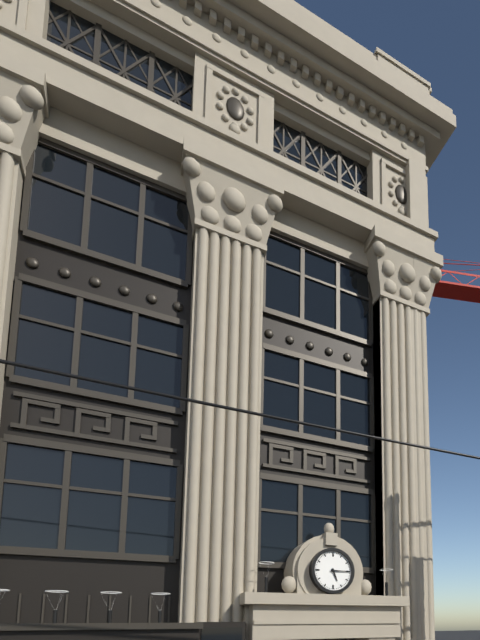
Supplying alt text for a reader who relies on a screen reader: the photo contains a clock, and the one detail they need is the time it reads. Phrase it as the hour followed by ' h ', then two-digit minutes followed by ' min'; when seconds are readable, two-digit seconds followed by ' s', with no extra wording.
5 h 15 min
